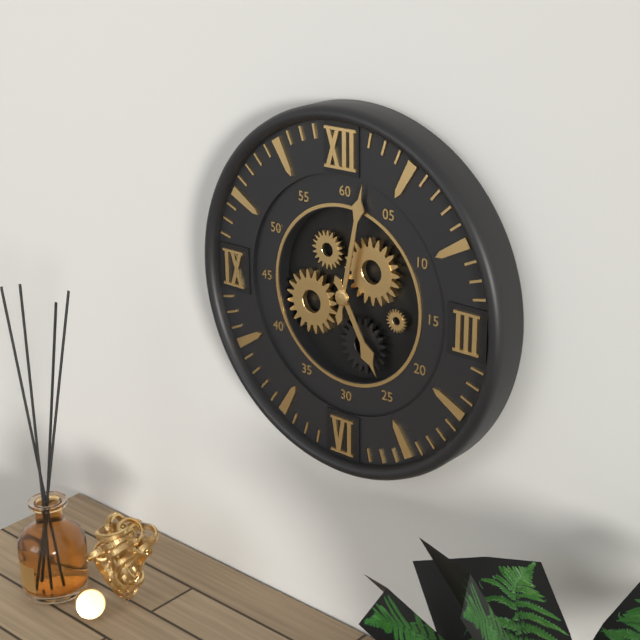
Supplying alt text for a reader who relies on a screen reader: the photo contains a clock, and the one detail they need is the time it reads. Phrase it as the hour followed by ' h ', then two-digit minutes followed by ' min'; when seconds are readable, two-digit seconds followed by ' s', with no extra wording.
5 h 02 min
